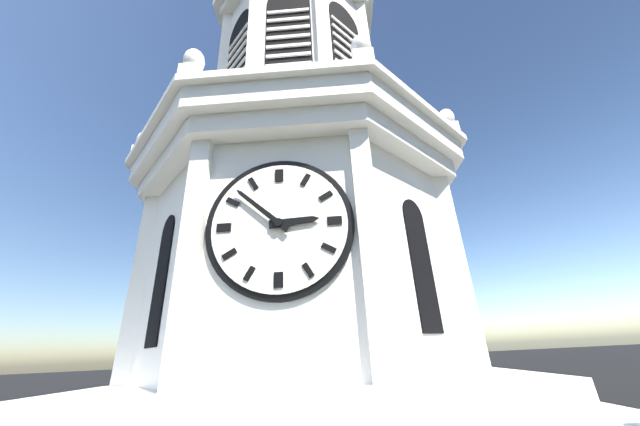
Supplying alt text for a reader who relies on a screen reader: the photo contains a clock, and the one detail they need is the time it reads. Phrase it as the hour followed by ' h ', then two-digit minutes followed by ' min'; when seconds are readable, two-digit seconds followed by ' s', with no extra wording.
2 h 52 min
